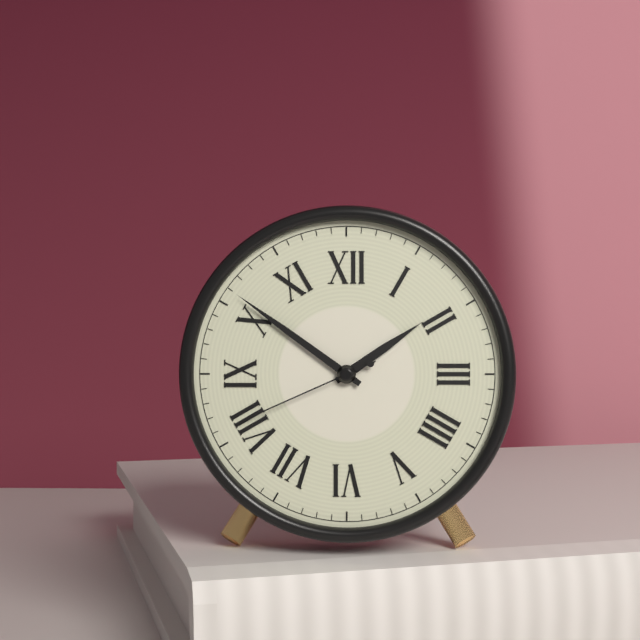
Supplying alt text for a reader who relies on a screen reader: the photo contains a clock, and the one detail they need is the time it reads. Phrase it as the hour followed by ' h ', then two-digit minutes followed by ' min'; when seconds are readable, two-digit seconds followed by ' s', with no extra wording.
1 h 51 min 41 s
